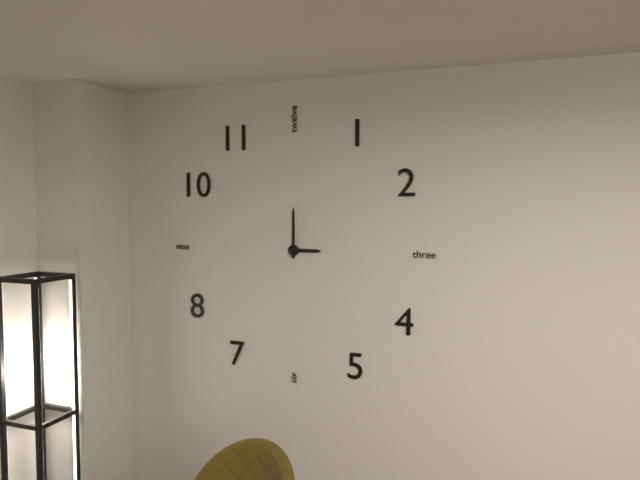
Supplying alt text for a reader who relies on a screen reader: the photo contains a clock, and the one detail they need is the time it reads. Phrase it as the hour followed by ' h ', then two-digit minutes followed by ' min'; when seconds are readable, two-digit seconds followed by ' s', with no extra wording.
3 h 00 min
